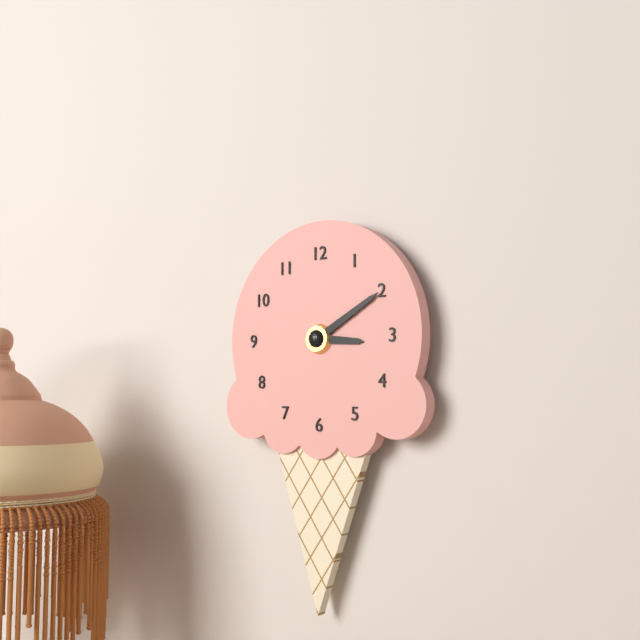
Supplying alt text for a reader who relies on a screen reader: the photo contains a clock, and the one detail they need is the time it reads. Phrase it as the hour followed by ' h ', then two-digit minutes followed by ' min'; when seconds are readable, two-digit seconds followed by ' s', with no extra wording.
3 h 10 min
